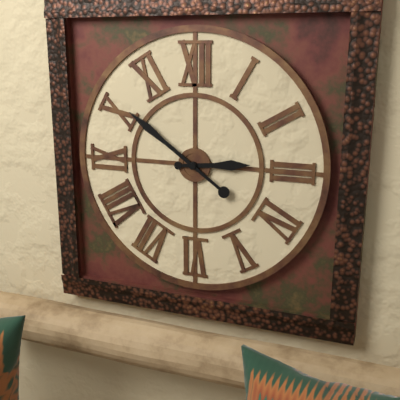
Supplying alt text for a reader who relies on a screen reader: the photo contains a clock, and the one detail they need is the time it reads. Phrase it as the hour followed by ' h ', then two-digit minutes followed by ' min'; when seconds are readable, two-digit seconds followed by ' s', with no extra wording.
2 h 51 min
